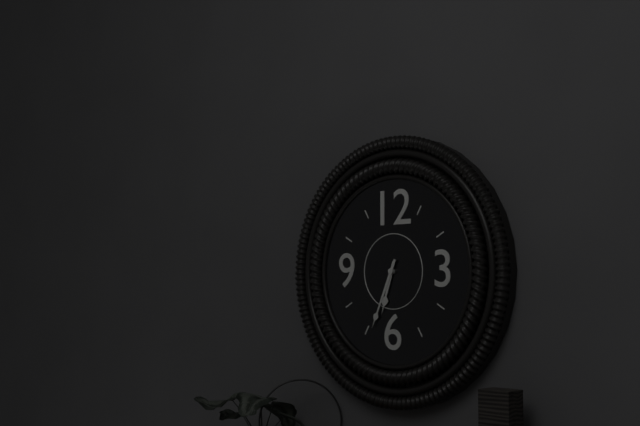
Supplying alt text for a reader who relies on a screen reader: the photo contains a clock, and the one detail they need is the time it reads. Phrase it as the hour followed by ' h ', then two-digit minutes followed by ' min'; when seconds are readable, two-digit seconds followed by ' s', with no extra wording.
6 h 34 min
